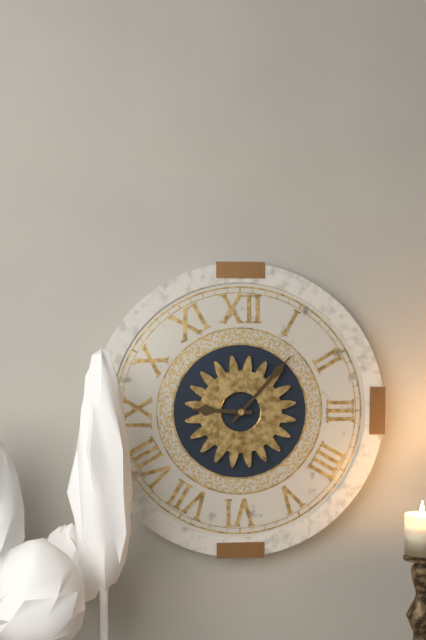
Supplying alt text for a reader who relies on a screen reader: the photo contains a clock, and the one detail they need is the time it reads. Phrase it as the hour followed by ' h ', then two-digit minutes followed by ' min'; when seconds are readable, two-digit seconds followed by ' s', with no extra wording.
9 h 07 min
